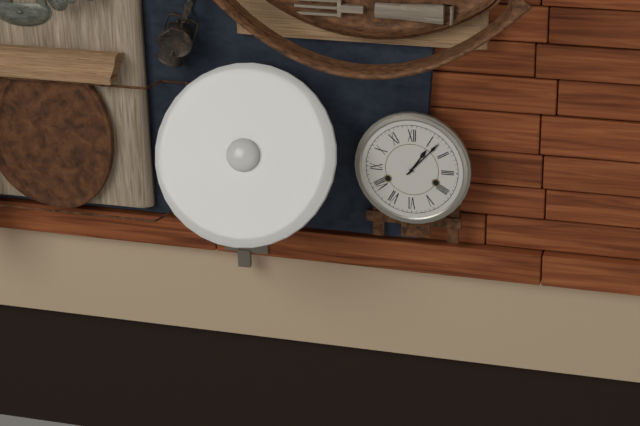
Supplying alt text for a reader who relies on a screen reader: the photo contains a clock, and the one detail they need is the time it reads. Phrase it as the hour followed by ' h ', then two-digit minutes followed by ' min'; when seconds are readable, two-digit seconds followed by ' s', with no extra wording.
1 h 07 min
